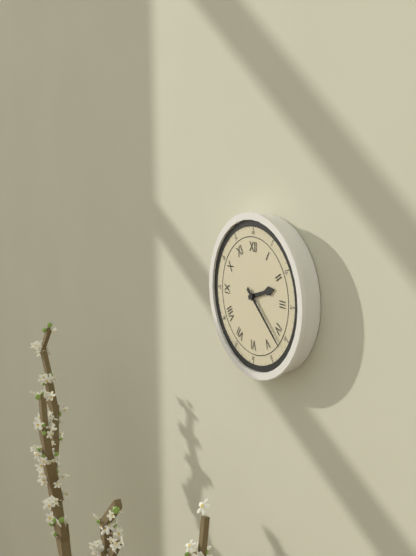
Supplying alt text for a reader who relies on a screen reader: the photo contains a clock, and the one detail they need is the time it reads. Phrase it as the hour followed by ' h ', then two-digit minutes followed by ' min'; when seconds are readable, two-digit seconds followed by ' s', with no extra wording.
2 h 22 min
